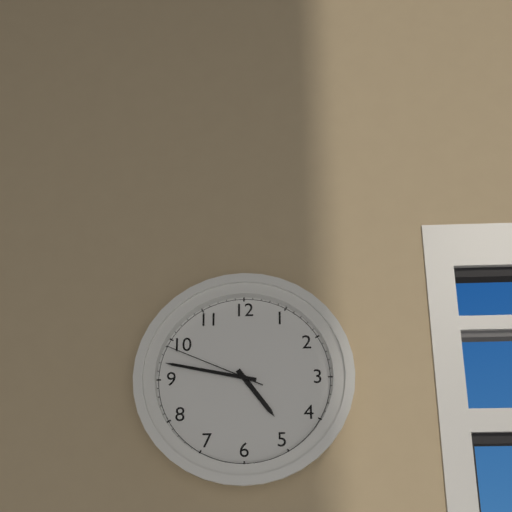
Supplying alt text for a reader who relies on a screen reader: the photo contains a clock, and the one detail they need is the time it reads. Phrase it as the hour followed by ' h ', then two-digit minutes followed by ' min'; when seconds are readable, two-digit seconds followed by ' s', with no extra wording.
4 h 47 min 49 s
